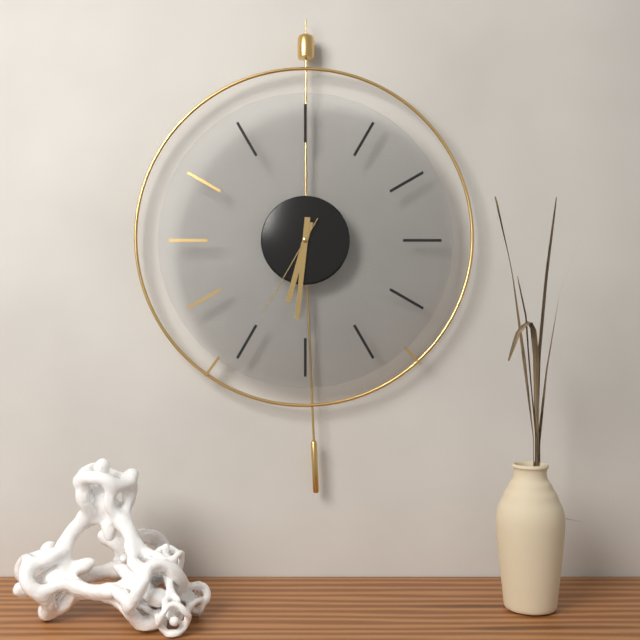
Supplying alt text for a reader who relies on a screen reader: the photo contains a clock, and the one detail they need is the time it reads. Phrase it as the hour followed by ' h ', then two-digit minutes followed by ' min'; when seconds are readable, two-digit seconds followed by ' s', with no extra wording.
6 h 31 min 35 s
